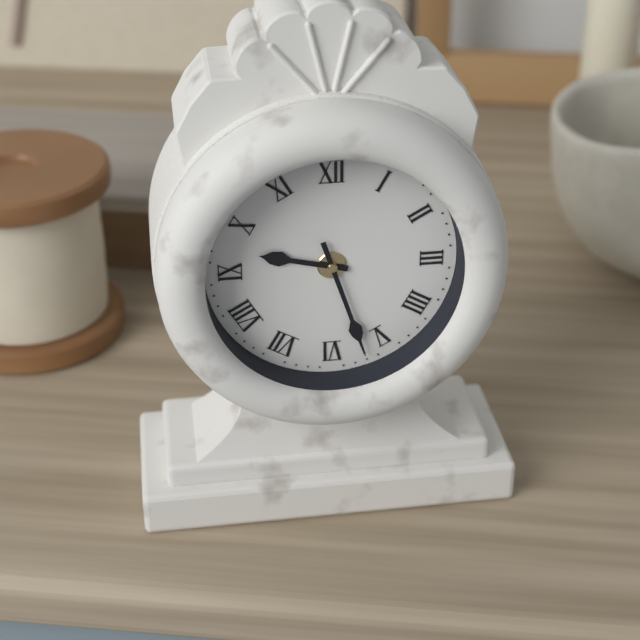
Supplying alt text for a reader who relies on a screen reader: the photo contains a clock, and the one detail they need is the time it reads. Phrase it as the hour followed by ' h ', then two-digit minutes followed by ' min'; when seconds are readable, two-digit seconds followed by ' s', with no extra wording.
9 h 27 min
